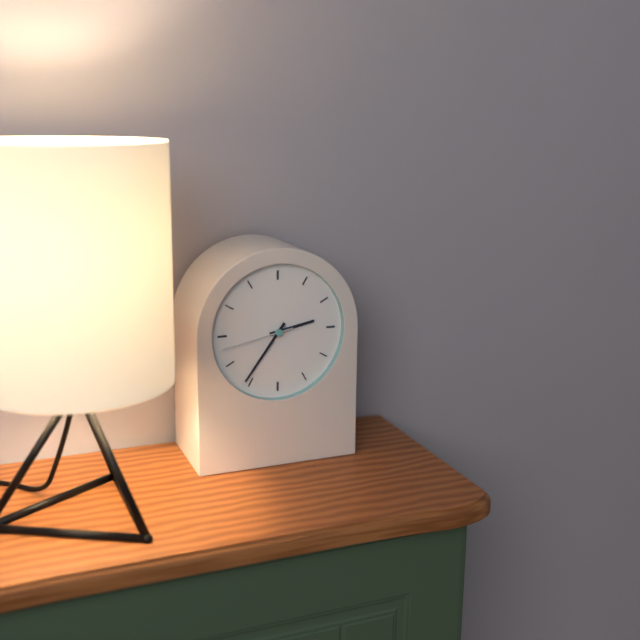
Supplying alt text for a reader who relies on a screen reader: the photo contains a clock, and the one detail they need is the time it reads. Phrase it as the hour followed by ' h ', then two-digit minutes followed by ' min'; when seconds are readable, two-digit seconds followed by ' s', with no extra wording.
2 h 36 min 43 s
